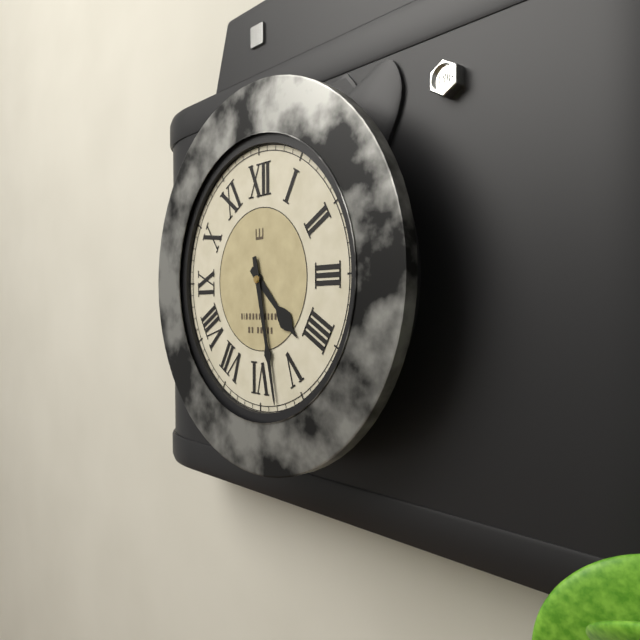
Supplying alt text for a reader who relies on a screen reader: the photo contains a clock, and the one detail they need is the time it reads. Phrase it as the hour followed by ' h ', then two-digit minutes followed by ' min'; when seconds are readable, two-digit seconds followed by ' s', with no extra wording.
4 h 28 min
